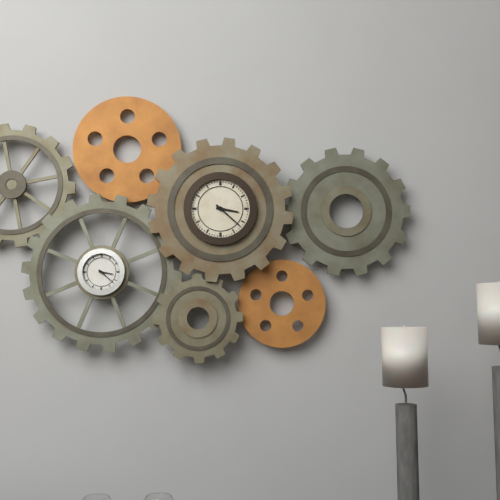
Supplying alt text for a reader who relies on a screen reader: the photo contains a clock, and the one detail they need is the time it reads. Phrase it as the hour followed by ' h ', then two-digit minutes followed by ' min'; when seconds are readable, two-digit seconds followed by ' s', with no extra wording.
3 h 22 min
